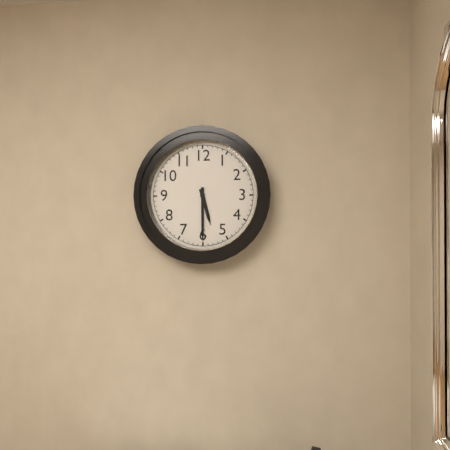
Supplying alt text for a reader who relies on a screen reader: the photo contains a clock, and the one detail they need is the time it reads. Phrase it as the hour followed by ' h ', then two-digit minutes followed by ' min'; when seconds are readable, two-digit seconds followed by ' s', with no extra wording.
5 h 30 min
